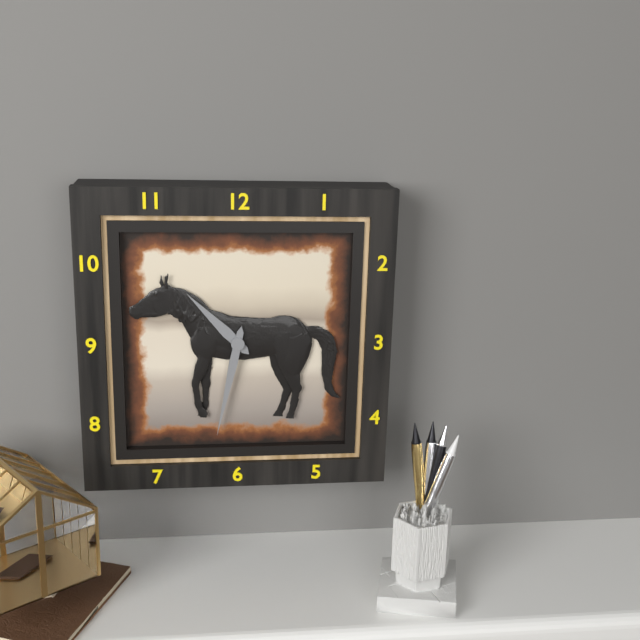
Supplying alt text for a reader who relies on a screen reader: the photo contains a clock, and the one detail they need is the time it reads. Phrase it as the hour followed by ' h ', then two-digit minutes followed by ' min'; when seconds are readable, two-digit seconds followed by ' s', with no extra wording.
10 h 32 min
